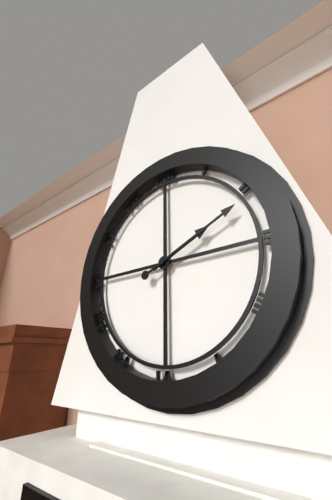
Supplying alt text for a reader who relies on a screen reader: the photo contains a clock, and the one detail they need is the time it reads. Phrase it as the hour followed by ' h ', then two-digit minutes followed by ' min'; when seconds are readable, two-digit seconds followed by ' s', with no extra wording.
2 h 11 min
